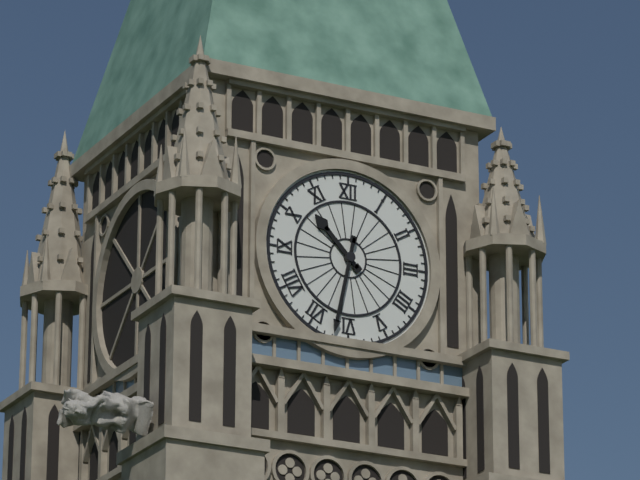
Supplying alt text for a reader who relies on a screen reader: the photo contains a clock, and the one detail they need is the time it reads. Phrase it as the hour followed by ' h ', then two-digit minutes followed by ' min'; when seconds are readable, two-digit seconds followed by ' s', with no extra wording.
10 h 32 min
